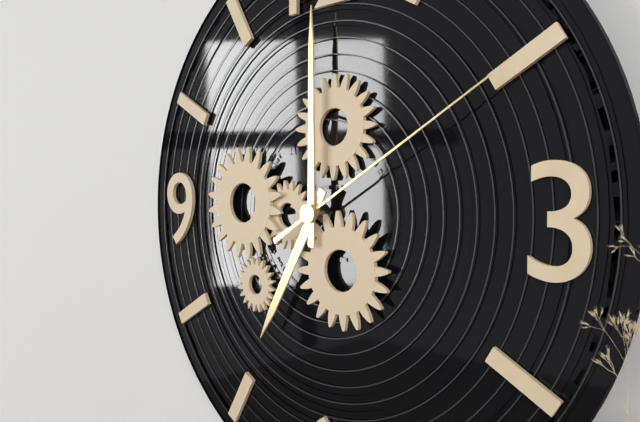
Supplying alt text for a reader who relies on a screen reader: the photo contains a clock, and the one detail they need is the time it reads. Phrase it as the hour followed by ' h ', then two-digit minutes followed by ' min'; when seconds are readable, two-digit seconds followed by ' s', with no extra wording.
7 h 00 min 10 s
